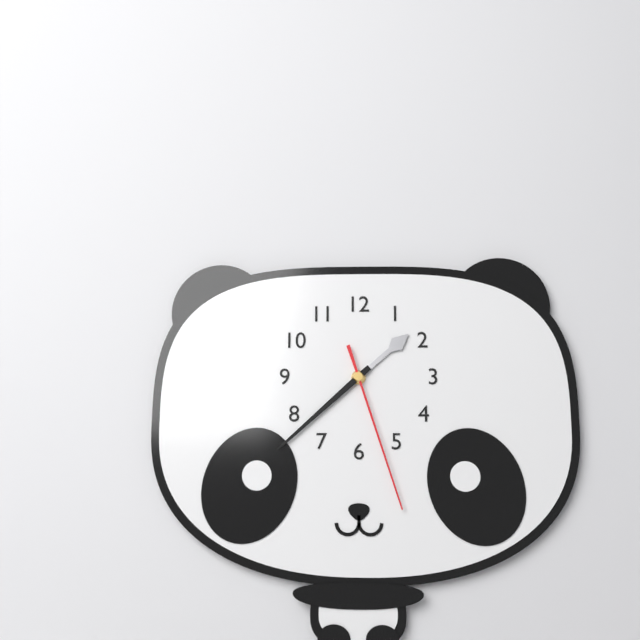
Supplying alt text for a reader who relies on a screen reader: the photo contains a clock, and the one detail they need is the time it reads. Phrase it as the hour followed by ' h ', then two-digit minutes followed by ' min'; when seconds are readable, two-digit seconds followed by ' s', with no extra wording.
1 h 38 min 27 s
